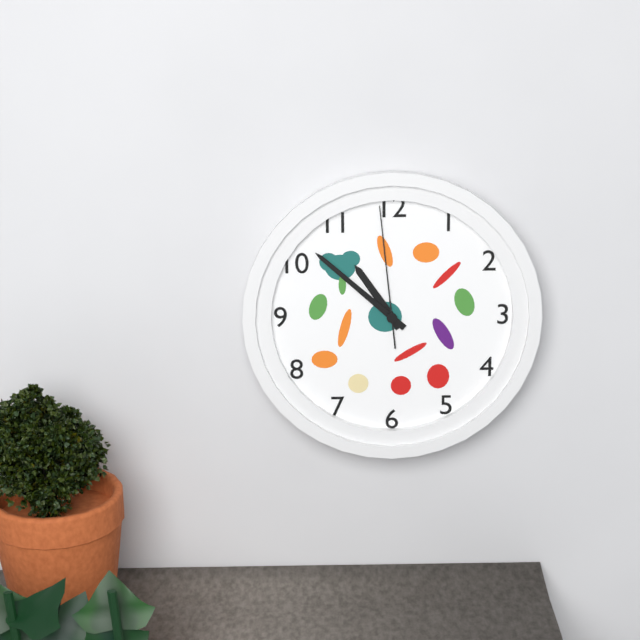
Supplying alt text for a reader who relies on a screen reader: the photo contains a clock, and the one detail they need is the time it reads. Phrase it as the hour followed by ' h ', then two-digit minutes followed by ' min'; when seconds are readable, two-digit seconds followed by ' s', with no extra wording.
10 h 52 min 59 s
